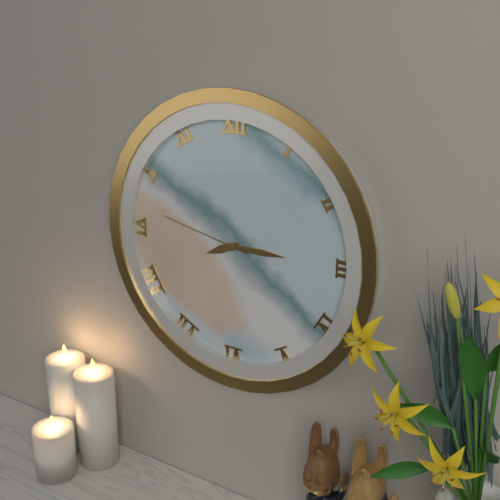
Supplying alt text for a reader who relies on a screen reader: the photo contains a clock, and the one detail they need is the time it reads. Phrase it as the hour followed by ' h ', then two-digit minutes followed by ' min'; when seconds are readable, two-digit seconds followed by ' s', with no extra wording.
8 h 15 min 47 s
